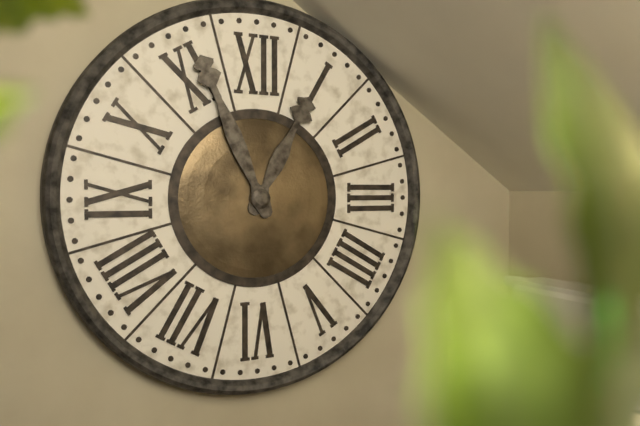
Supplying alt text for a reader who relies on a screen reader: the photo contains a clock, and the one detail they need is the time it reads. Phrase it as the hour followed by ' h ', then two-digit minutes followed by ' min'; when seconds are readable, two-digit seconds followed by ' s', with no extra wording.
12 h 56 min
